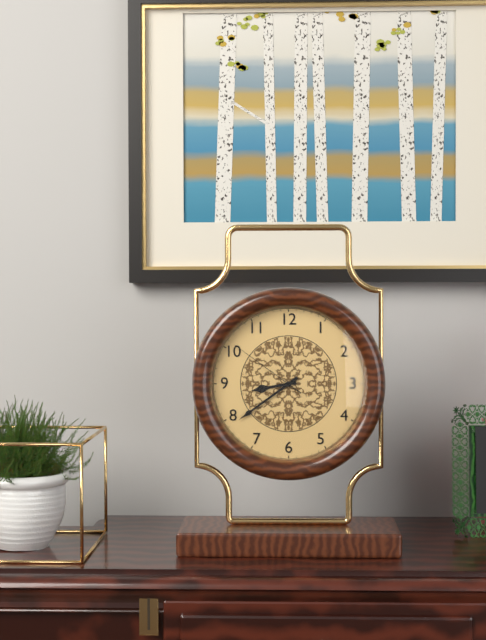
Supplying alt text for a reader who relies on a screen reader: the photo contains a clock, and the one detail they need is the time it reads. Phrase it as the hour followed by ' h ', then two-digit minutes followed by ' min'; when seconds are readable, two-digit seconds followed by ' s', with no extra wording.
8 h 39 min 51 s
